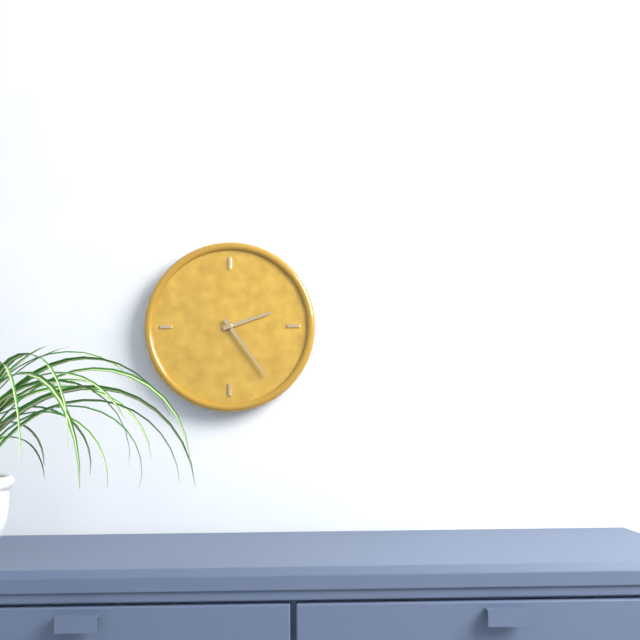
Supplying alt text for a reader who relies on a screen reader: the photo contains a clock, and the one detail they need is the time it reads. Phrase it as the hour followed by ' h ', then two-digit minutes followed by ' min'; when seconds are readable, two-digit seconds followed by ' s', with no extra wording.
2 h 24 min
